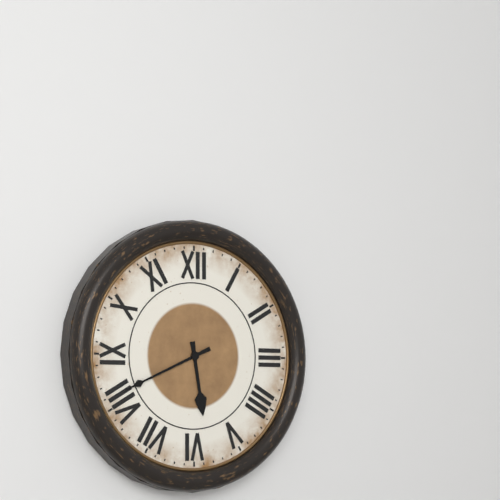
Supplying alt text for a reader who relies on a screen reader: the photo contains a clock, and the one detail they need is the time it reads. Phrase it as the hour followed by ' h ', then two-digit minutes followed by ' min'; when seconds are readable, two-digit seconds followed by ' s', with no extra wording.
5 h 41 min
